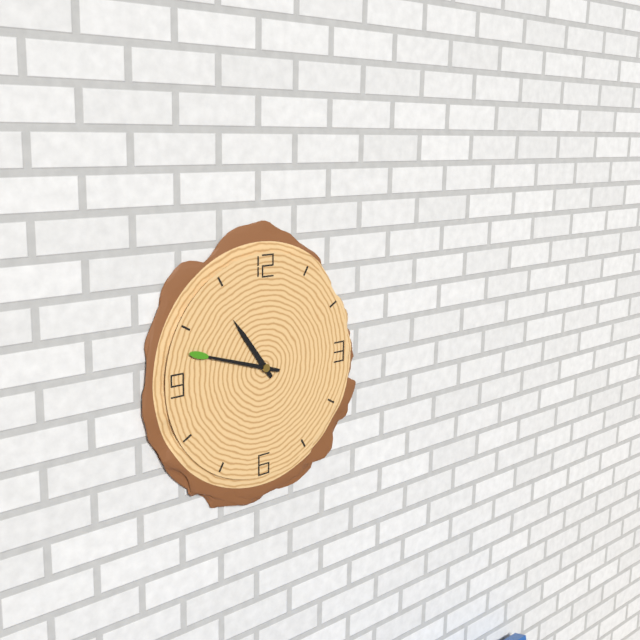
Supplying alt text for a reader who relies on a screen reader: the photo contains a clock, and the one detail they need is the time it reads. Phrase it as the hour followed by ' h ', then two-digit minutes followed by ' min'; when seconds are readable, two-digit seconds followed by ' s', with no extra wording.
10 h 48 min
